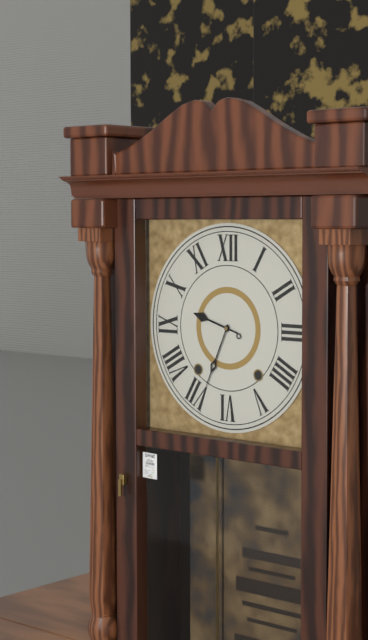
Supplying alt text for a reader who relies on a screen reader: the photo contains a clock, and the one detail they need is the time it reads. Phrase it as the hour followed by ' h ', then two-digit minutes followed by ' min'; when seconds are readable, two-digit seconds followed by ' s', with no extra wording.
9 h 34 min
